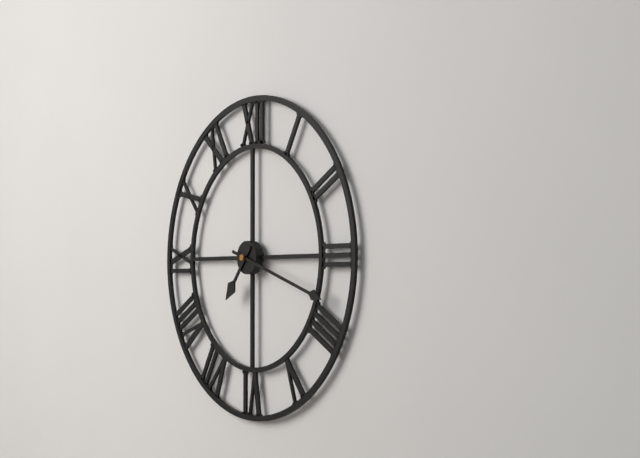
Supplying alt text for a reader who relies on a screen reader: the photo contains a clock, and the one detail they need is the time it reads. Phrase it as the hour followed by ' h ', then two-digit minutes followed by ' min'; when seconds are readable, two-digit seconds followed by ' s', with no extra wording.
7 h 18 min
